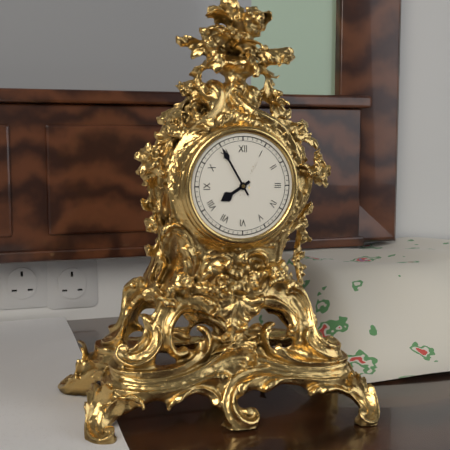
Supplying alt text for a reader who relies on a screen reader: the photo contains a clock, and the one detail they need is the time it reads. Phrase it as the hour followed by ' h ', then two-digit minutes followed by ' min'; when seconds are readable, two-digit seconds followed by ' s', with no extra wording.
7 h 55 min
